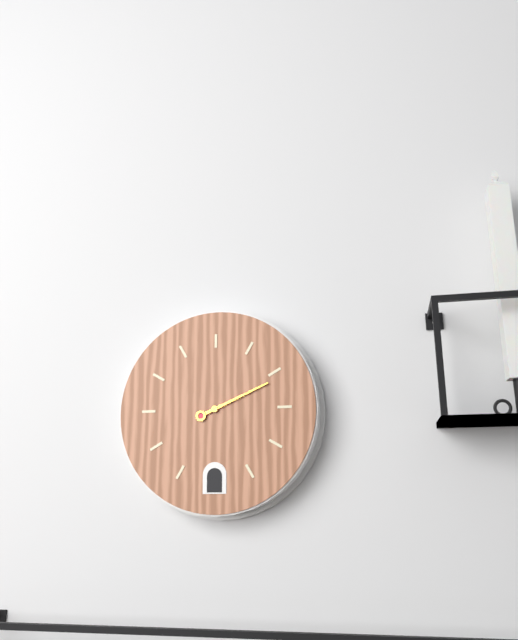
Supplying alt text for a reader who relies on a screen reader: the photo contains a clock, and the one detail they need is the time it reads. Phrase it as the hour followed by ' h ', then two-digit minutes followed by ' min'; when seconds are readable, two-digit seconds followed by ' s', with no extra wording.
2 h 11 min
